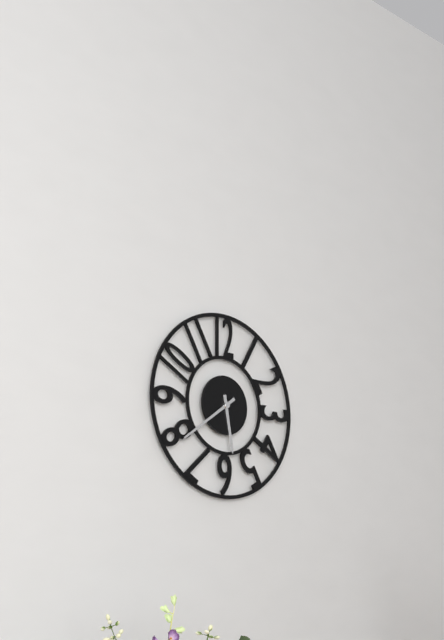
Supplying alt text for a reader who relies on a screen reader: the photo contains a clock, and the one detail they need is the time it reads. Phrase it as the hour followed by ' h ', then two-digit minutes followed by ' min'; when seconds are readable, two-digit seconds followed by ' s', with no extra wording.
5 h 39 min
